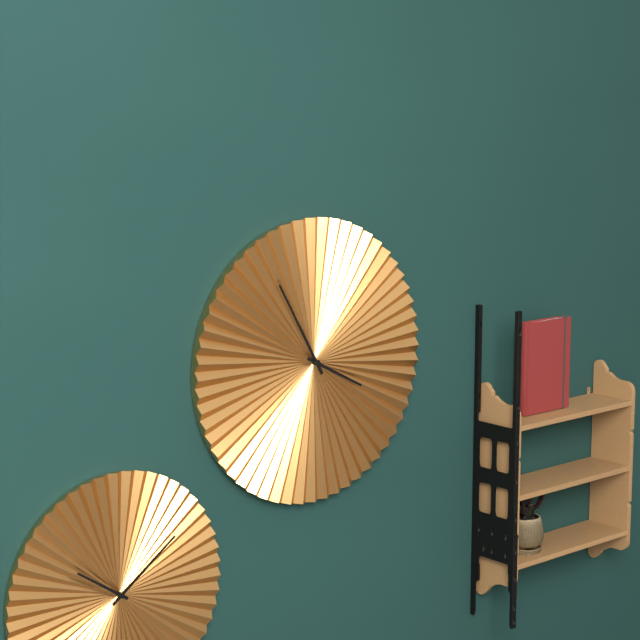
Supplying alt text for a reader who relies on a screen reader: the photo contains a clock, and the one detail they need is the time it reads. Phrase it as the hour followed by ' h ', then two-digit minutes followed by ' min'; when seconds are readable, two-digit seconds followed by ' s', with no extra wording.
3 h 55 min
